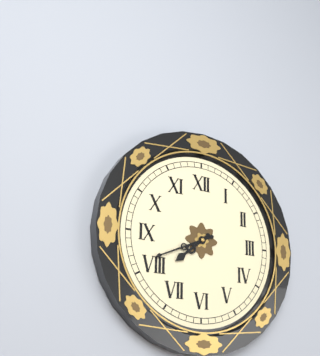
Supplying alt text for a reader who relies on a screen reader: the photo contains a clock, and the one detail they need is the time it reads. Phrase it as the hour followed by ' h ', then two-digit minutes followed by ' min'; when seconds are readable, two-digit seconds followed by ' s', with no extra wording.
7 h 41 min
